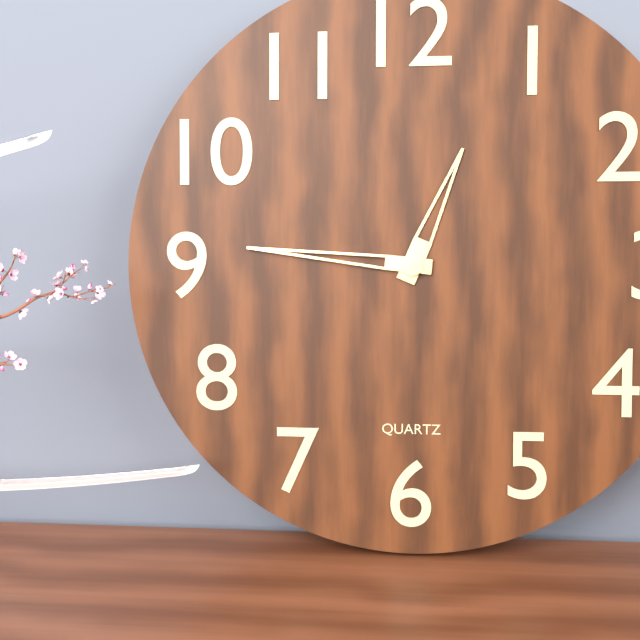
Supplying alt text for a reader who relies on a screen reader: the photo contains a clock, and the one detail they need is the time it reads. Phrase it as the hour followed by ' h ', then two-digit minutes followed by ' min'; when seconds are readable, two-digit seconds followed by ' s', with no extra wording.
12 h 46 min
